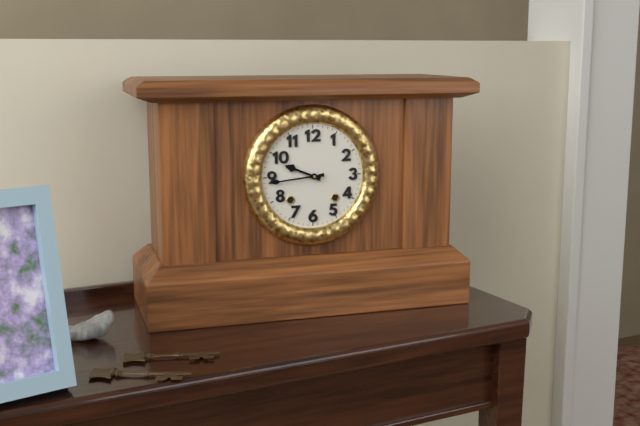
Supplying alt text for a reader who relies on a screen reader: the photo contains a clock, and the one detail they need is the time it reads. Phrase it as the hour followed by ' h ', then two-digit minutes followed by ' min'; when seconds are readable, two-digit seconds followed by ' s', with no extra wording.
9 h 44 min
